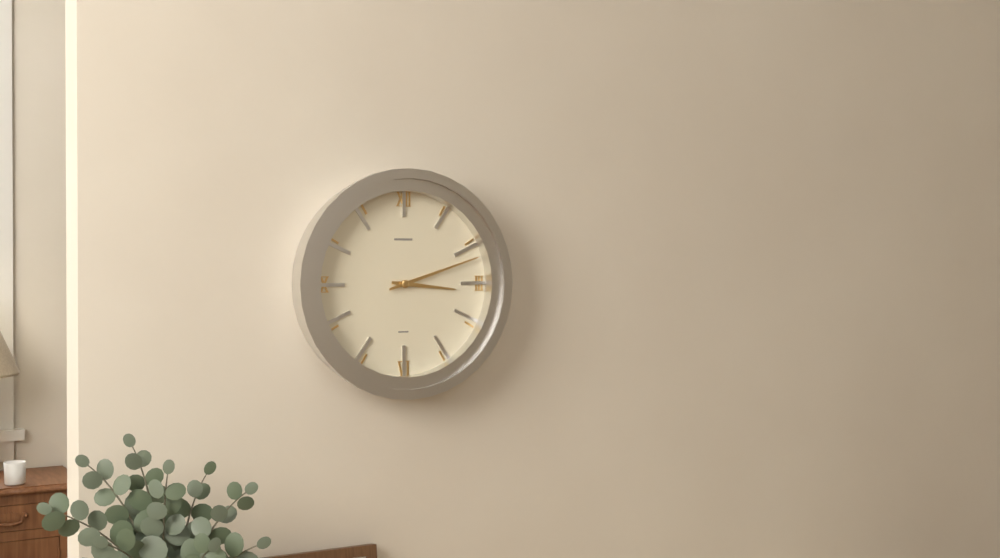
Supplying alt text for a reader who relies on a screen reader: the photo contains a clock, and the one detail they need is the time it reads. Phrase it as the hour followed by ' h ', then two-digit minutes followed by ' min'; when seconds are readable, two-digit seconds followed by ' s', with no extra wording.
3 h 12 min
